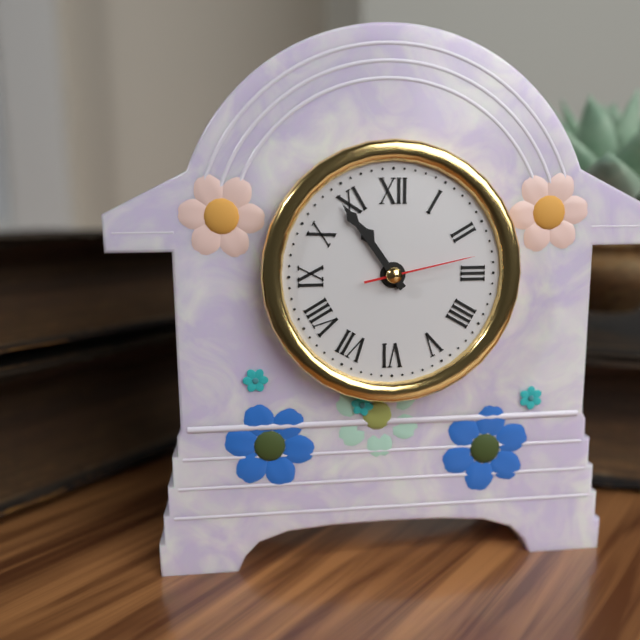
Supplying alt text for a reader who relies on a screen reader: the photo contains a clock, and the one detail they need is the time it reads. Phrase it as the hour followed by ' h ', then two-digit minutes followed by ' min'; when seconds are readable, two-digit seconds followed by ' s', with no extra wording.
10 h 54 min 13 s
